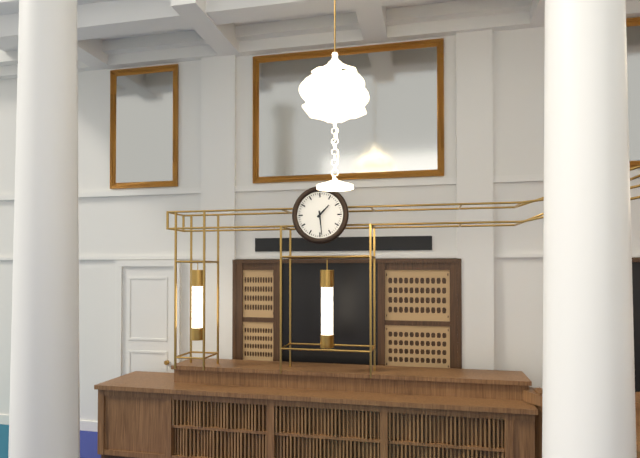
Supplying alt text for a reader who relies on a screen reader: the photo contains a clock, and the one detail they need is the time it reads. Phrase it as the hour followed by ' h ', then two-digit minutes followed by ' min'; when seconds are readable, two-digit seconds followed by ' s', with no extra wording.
1 h 29 min
